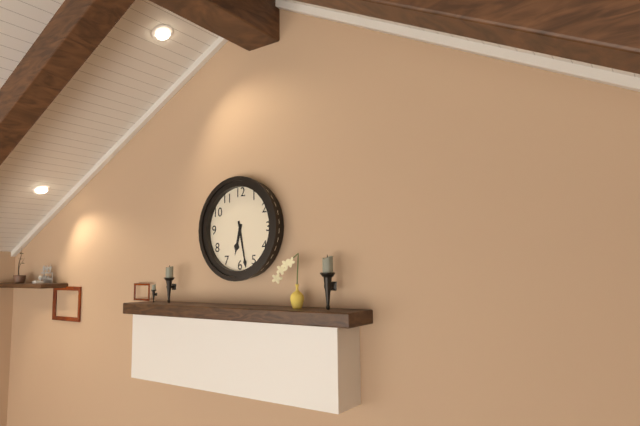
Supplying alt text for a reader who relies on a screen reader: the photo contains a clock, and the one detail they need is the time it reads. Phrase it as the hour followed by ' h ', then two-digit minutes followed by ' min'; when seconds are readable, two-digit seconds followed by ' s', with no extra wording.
6 h 28 min
